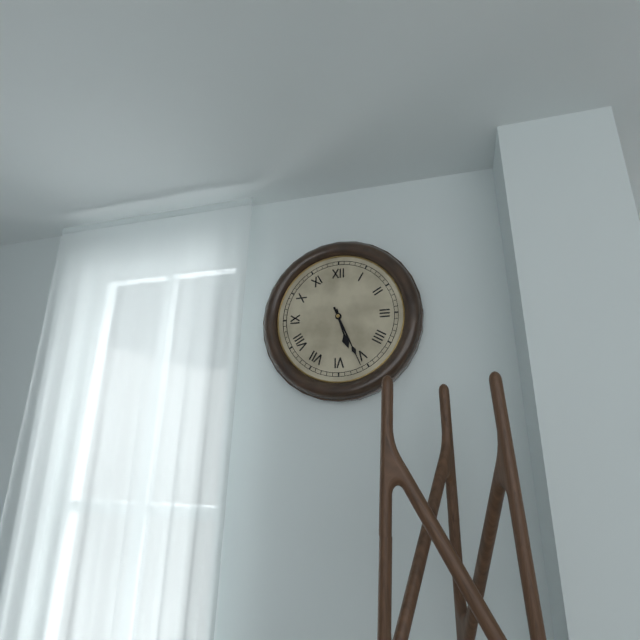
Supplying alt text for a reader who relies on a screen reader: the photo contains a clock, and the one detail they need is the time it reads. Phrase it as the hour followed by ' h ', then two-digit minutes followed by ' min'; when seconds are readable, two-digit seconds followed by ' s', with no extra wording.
5 h 26 min
